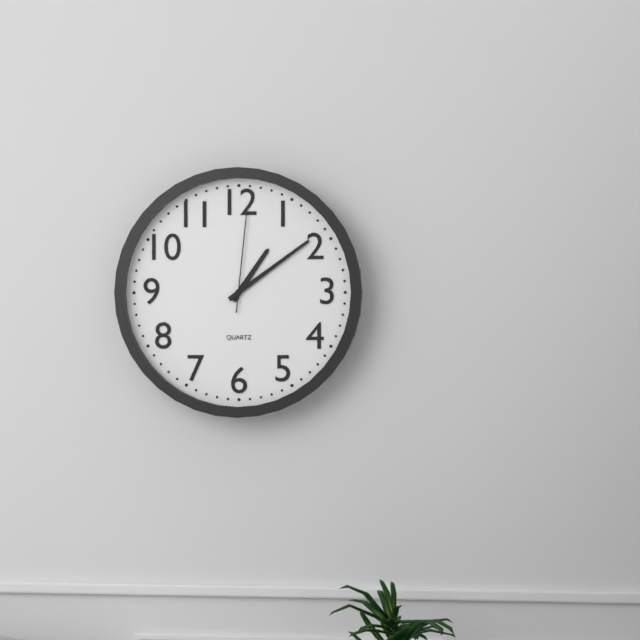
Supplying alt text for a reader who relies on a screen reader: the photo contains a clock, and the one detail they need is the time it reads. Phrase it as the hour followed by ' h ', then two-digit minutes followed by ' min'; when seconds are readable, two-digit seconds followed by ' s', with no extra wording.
1 h 09 min 01 s
